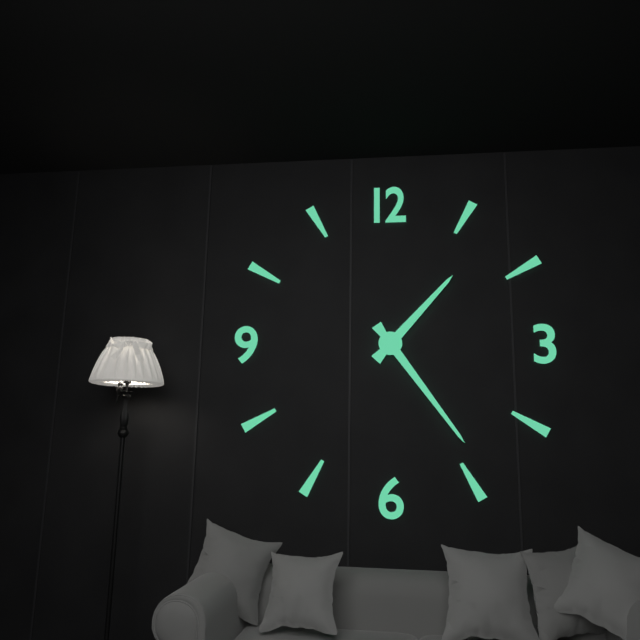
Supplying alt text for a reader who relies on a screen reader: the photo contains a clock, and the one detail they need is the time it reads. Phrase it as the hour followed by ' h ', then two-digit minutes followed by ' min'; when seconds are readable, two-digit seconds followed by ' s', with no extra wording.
1 h 24 min
